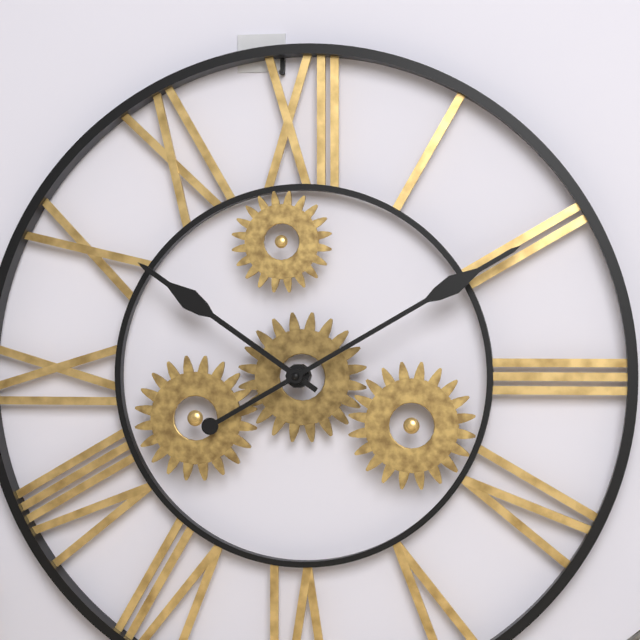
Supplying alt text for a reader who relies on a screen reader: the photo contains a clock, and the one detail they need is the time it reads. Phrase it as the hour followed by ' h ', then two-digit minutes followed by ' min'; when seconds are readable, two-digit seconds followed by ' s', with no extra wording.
10 h 10 min
